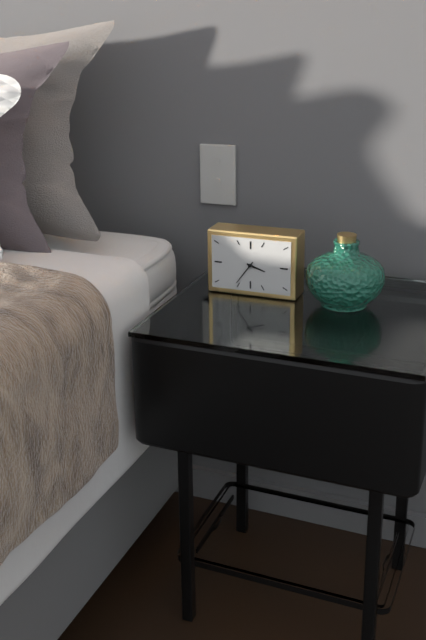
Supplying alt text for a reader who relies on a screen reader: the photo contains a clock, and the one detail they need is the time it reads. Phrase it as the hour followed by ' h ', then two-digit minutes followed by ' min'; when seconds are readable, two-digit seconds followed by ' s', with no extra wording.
3 h 36 min
